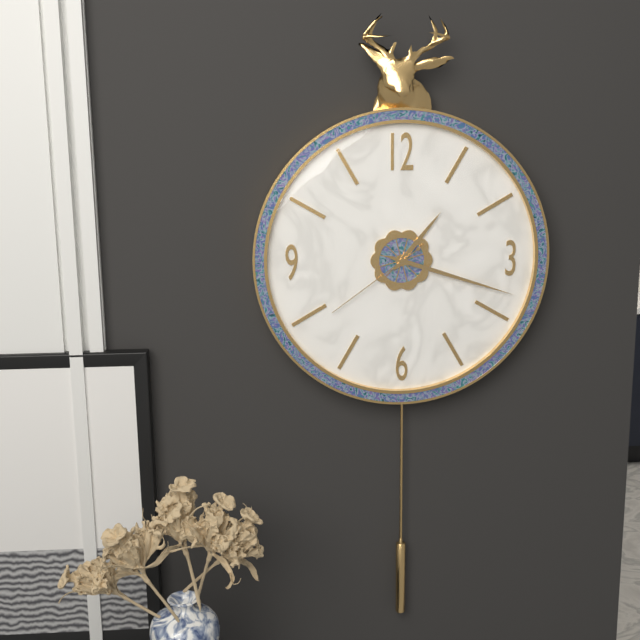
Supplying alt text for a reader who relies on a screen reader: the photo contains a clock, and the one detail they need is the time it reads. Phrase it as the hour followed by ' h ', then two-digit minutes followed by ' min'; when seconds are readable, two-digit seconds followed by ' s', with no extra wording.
1 h 18 min 39 s
